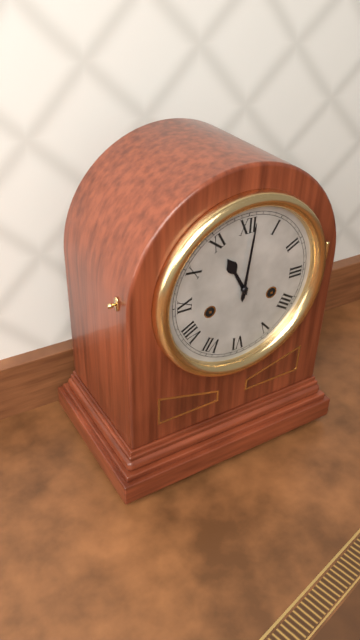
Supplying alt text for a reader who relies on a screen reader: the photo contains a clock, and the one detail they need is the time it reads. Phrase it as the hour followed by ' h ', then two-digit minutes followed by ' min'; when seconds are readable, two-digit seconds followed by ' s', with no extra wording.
11 h 01 min
